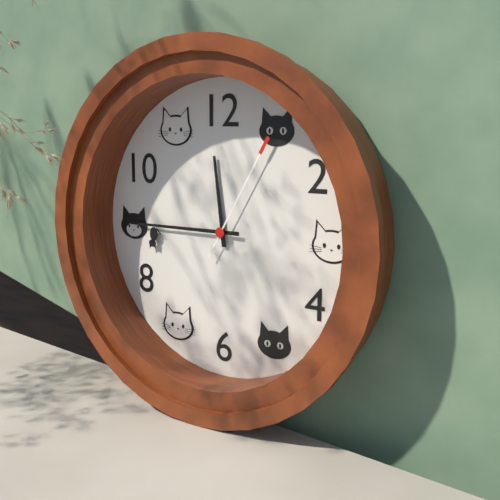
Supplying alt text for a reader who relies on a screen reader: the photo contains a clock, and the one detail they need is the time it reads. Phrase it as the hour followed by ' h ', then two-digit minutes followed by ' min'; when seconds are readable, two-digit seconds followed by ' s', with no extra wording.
11 h 45 min 05 s
